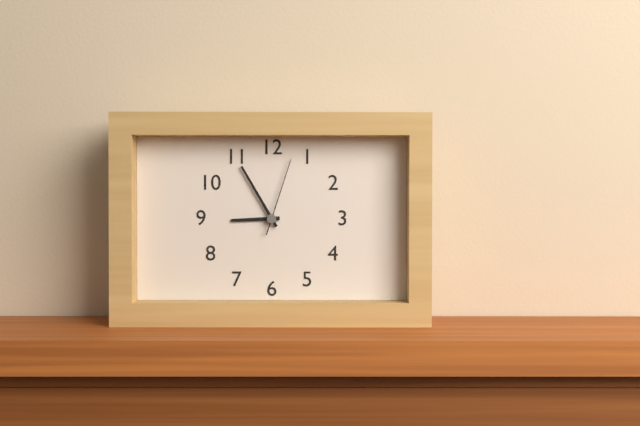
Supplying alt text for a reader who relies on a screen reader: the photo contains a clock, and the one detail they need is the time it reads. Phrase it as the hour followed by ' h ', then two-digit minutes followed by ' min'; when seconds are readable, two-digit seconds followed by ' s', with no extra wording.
8 h 55 min 03 s
